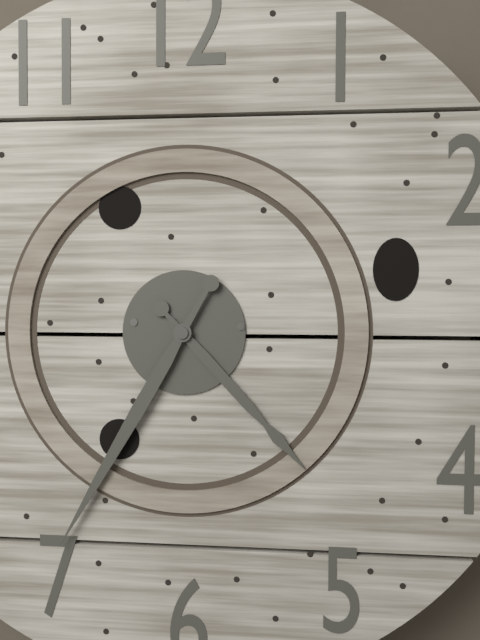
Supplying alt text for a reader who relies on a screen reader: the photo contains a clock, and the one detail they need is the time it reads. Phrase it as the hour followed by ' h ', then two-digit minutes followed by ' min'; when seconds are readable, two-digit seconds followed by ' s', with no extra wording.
4 h 35 min
